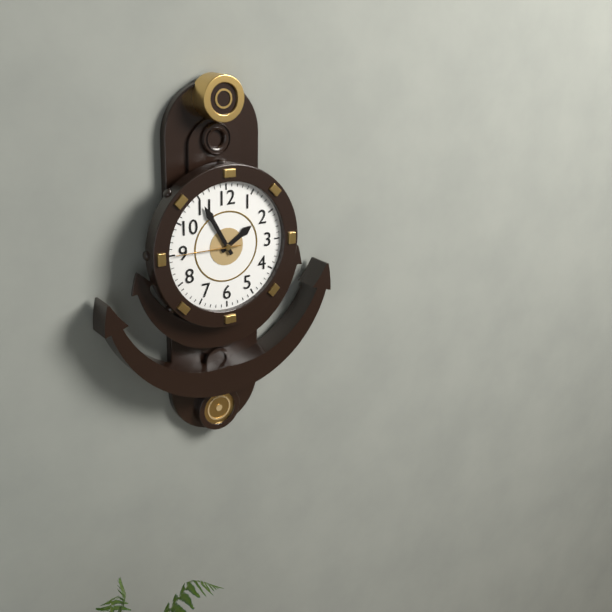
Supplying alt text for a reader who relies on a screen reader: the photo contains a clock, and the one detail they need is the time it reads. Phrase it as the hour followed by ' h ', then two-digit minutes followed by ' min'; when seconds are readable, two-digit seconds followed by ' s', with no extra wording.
1 h 55 min 45 s
